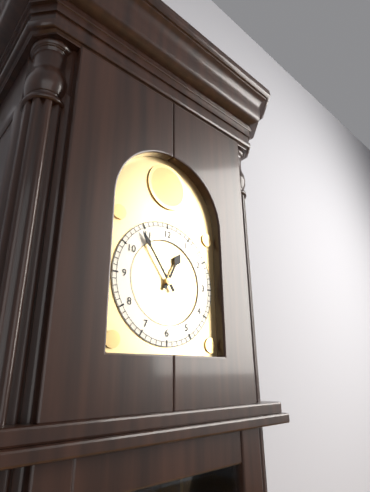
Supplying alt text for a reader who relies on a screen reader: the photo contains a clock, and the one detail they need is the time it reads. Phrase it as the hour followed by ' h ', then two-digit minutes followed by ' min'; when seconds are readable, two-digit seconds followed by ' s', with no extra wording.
12 h 54 min
